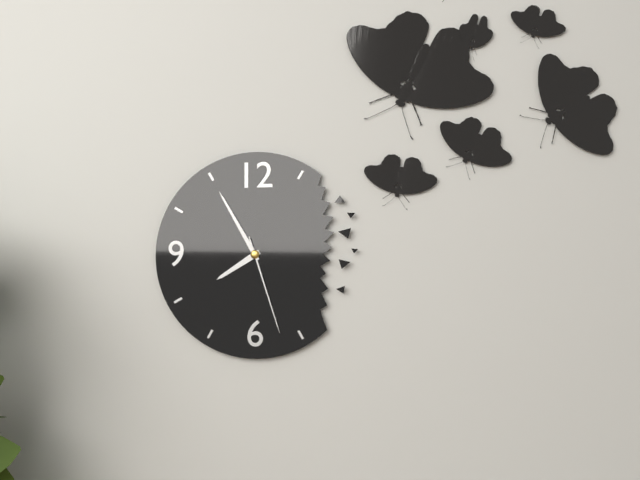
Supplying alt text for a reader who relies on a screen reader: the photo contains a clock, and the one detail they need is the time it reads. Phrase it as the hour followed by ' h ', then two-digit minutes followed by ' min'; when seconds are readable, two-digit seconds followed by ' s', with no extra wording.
7 h 55 min 27 s
